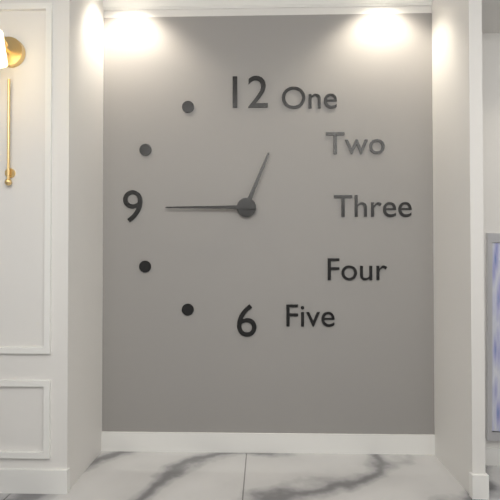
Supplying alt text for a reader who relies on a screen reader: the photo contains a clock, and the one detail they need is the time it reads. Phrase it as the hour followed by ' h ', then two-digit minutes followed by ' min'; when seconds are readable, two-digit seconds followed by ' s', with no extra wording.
12 h 45 min
